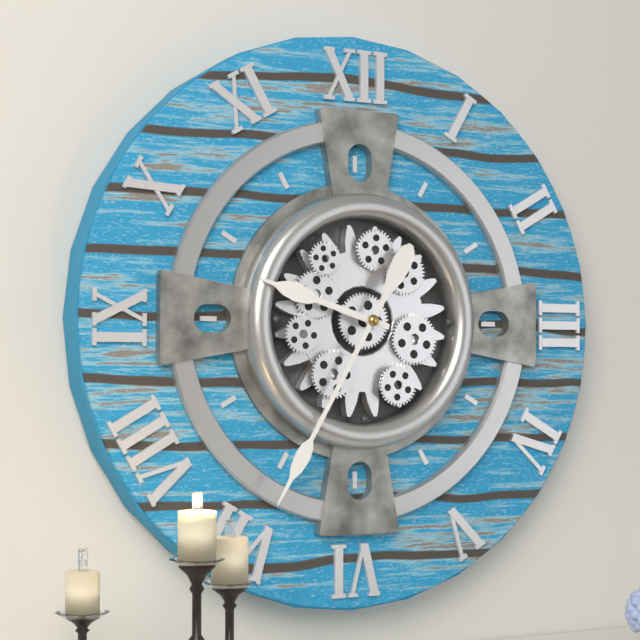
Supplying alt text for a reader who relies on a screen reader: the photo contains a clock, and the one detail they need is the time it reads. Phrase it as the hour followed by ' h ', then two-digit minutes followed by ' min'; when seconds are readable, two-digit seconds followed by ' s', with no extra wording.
9 h 35 min
